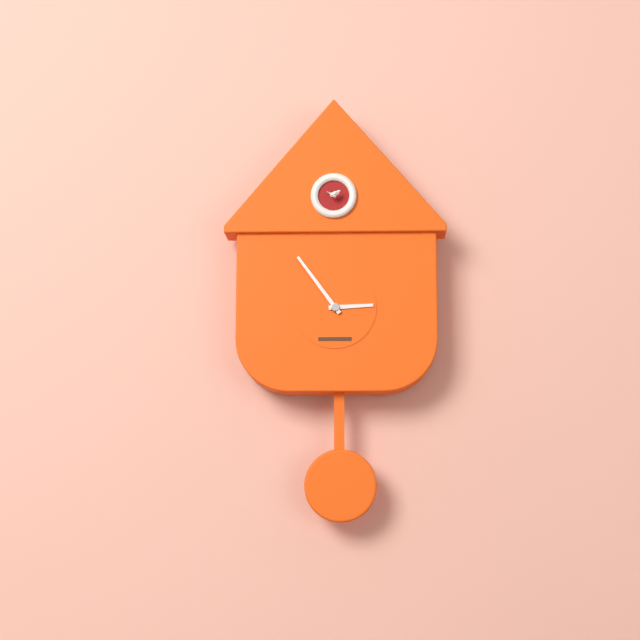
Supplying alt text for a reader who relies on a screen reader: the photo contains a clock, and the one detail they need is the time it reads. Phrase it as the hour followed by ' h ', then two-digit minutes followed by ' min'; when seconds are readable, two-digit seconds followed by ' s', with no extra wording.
2 h 54 min
